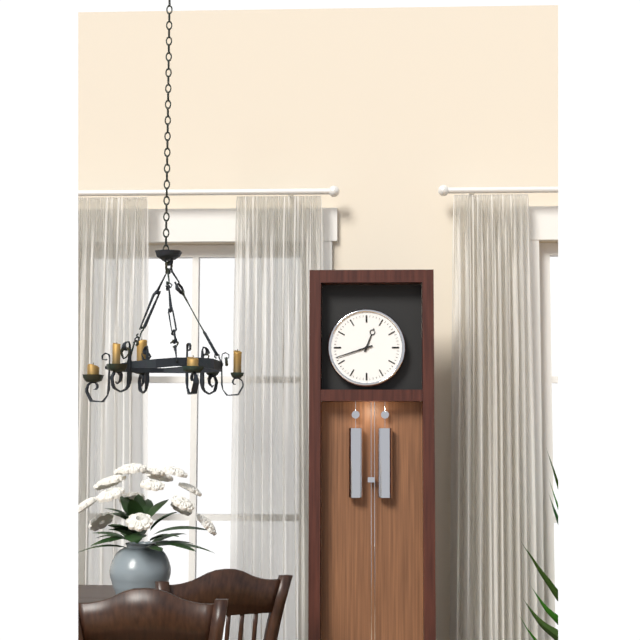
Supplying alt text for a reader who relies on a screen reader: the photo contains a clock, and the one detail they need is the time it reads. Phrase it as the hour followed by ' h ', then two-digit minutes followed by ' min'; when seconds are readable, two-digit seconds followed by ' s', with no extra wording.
12 h 42 min
